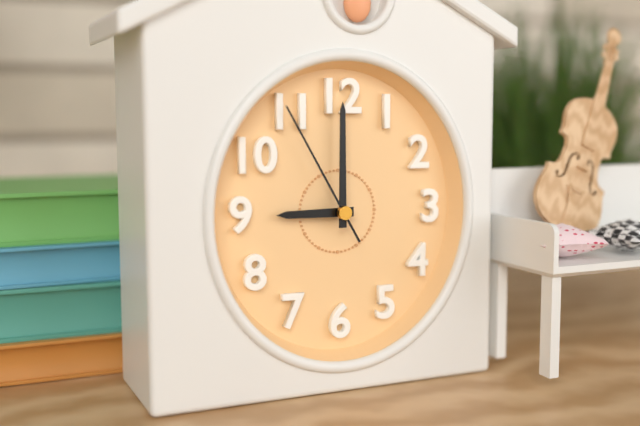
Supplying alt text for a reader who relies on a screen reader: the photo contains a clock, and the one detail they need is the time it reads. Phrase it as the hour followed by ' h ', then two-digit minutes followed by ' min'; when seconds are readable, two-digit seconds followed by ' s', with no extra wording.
9 h 00 min 55 s
